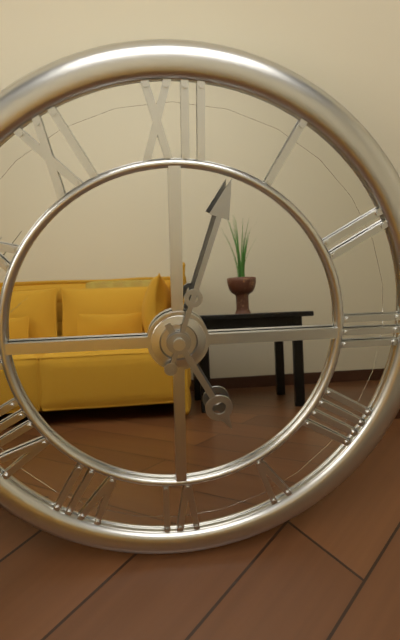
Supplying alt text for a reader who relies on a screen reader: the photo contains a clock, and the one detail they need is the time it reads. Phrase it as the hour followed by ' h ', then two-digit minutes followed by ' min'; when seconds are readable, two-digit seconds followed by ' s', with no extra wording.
5 h 03 min
